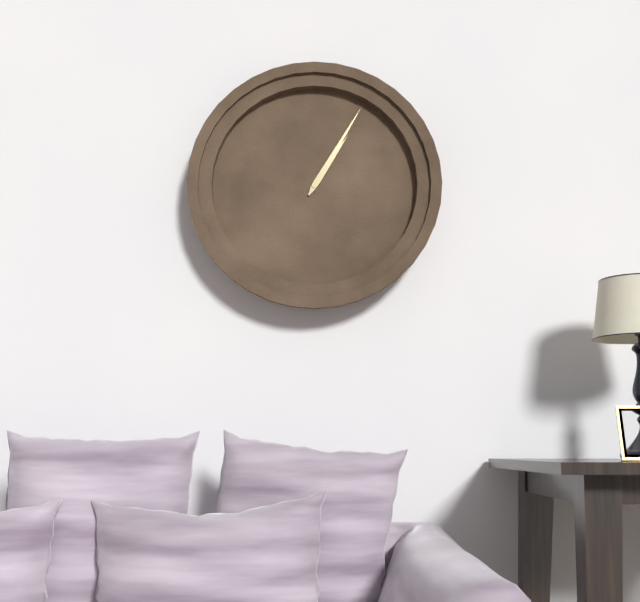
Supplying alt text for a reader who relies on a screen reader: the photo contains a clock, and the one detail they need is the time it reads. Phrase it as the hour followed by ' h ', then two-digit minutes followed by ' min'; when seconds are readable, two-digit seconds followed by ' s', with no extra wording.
1 h 05 min
